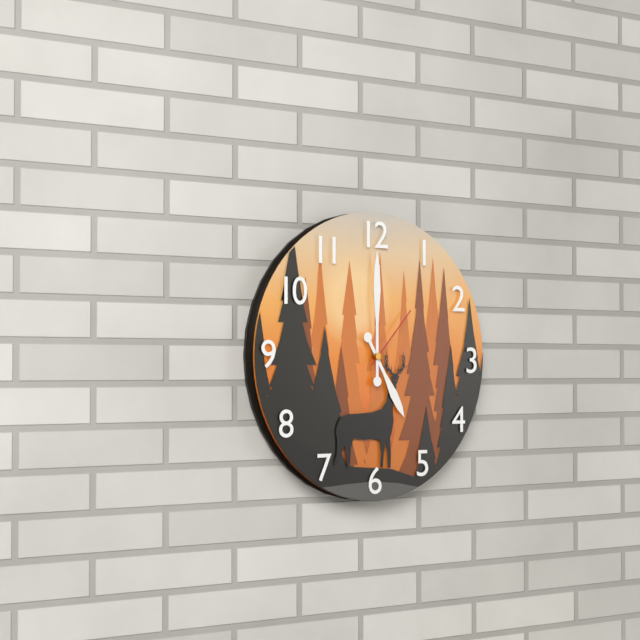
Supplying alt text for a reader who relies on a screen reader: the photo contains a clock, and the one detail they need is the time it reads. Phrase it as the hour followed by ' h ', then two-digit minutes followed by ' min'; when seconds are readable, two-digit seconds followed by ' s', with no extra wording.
5 h 00 min 07 s
